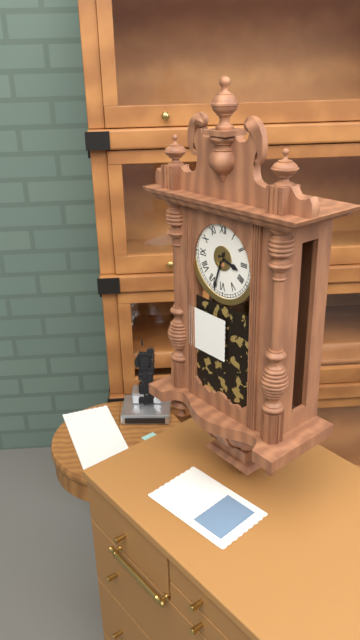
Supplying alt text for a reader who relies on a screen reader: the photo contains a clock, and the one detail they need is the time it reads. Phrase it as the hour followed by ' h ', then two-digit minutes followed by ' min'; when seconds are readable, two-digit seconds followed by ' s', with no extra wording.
3 h 33 min
